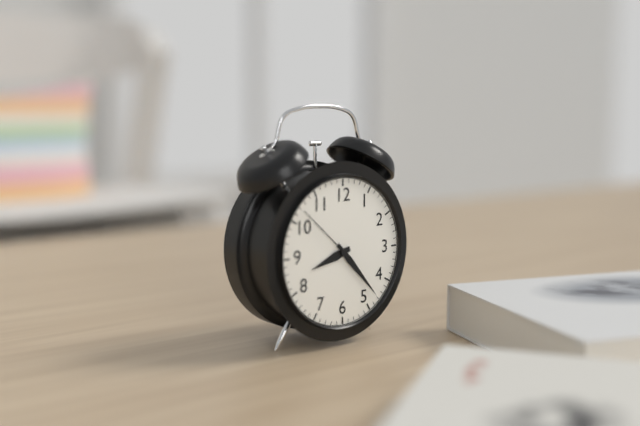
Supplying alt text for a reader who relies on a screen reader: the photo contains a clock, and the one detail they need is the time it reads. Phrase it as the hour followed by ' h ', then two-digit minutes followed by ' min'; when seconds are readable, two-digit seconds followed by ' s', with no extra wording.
8 h 23 min
